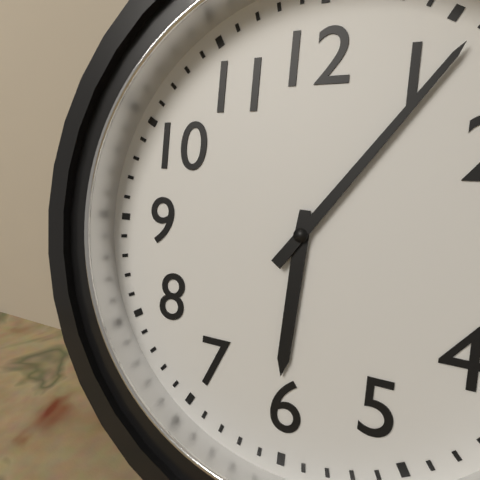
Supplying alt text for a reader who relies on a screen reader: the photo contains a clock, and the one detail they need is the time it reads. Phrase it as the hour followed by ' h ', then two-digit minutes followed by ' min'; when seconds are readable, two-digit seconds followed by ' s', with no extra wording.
6 h 06 min
